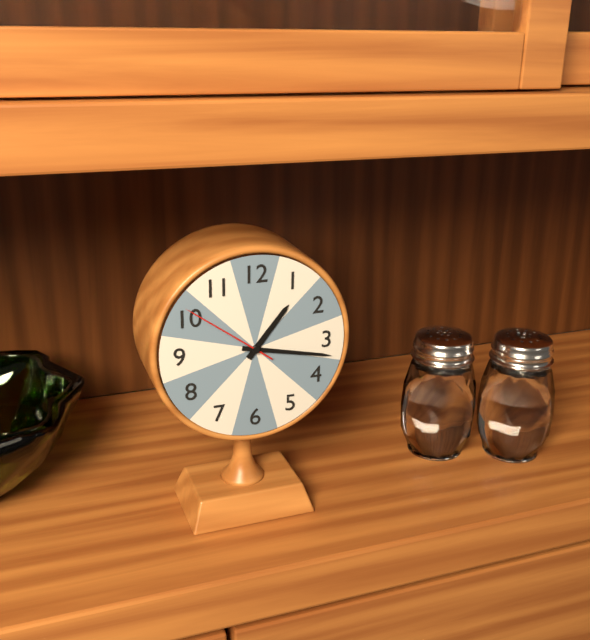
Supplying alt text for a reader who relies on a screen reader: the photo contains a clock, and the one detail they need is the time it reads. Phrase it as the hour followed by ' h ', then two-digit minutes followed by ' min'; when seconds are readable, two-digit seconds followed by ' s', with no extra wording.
1 h 17 min 51 s
